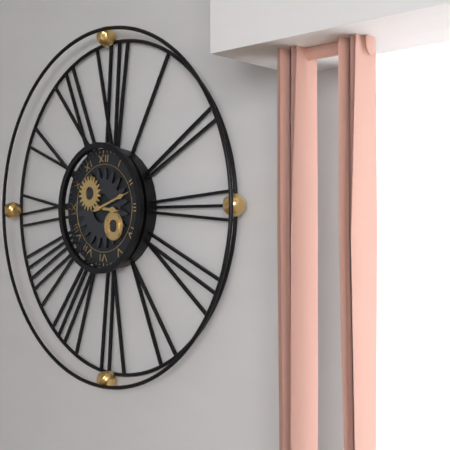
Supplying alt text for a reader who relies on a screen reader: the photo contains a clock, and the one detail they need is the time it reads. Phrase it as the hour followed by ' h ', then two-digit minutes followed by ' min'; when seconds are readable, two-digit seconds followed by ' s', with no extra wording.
3 h 12 min
